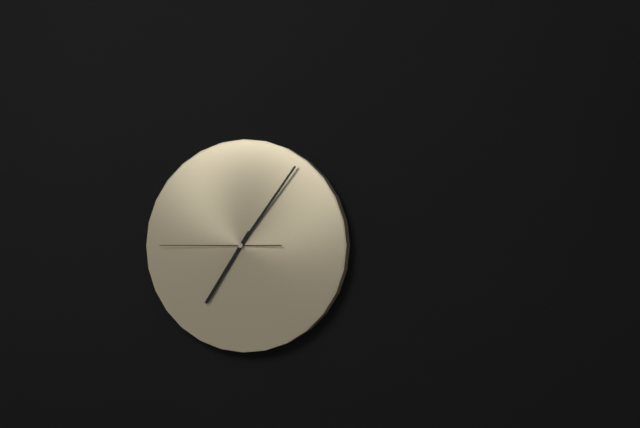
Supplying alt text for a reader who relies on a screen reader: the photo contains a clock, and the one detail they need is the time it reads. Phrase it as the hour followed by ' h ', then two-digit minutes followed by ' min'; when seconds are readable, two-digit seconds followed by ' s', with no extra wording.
7 h 06 min 45 s
